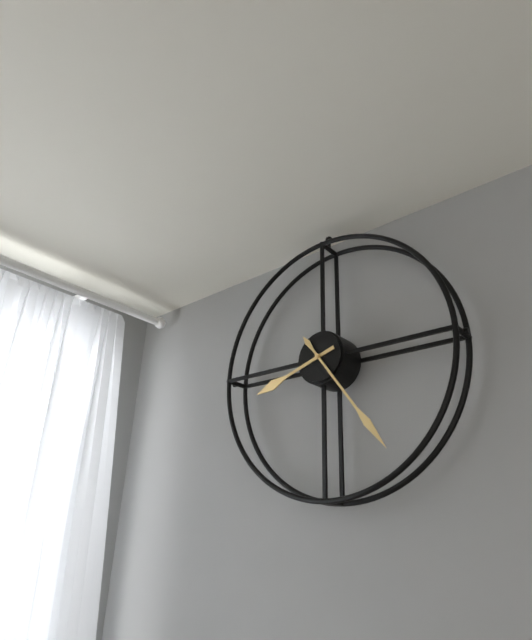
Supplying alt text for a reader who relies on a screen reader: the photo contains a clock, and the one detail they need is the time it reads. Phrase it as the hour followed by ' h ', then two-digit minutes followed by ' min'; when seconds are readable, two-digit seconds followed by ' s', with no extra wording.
8 h 24 min
